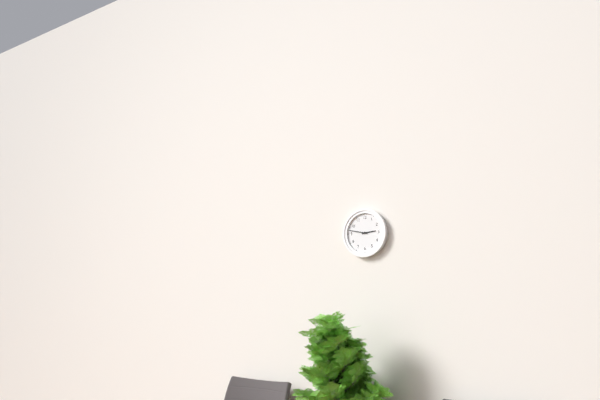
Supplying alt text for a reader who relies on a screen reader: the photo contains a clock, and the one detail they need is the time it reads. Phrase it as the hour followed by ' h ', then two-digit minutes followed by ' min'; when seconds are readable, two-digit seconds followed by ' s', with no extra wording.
2 h 47 min
